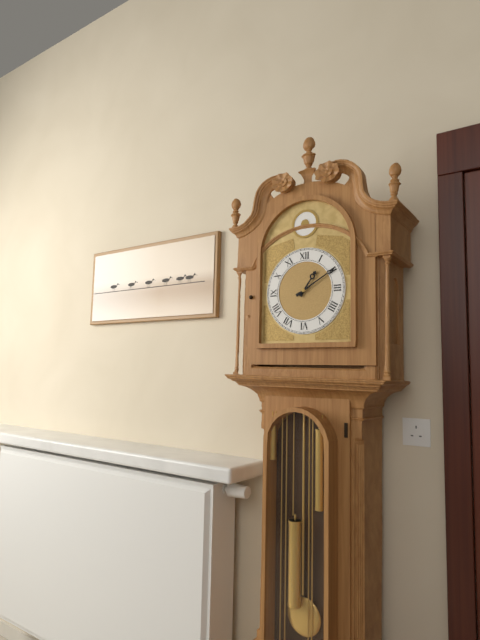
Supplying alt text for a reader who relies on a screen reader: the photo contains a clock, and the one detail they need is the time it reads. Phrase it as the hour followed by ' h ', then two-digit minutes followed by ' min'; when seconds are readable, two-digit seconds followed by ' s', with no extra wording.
1 h 10 min
